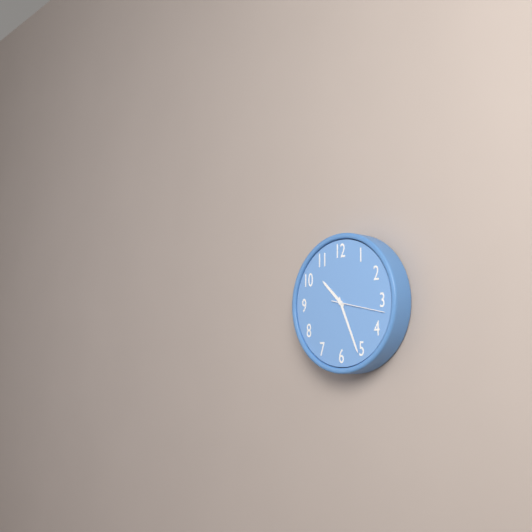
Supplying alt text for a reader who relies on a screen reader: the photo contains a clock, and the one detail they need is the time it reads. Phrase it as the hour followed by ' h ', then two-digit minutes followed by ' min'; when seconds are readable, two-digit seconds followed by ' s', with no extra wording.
10 h 26 min 17 s
